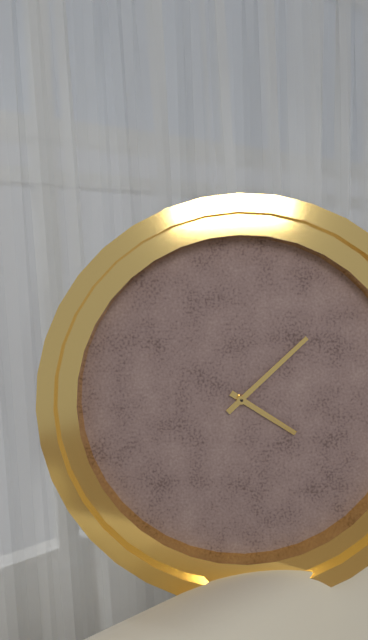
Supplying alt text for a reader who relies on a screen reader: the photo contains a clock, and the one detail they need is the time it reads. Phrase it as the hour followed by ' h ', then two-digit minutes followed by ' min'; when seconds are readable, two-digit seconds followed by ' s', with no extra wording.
4 h 08 min
